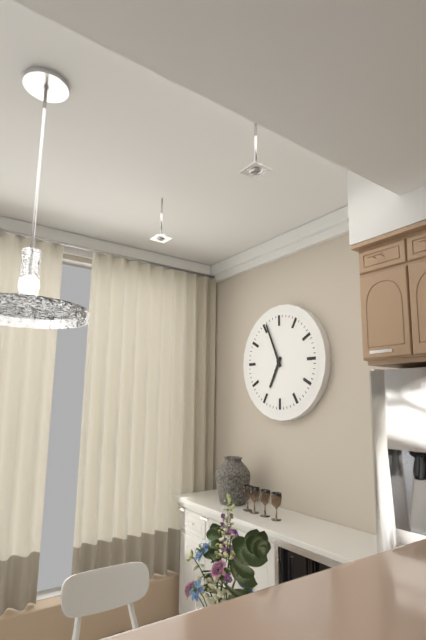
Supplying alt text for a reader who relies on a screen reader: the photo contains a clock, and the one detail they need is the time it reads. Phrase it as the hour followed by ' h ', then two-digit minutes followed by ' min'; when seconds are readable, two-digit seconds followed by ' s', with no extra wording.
6 h 56 min
